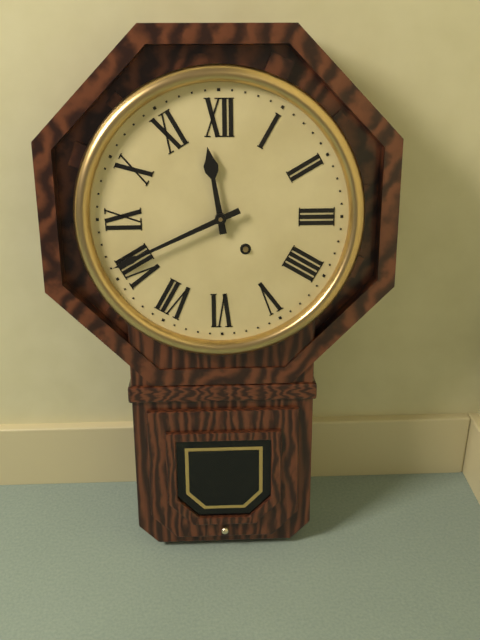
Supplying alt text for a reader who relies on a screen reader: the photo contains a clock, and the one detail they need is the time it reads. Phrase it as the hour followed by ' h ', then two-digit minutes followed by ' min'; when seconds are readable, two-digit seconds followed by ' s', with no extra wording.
11 h 41 min
